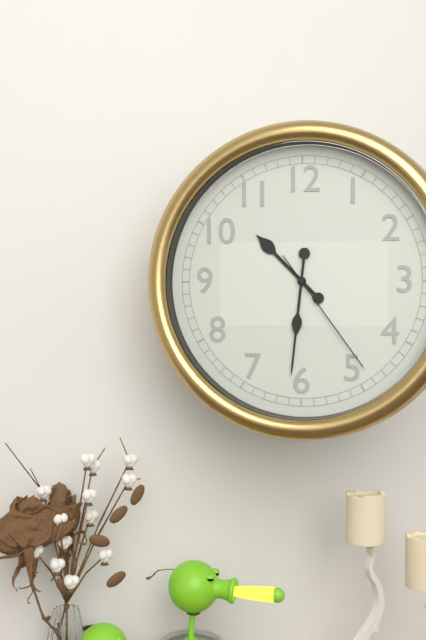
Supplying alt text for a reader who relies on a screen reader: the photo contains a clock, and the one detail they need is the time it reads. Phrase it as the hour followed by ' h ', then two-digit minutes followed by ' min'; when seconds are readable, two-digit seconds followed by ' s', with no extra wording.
10 h 31 min 24 s
